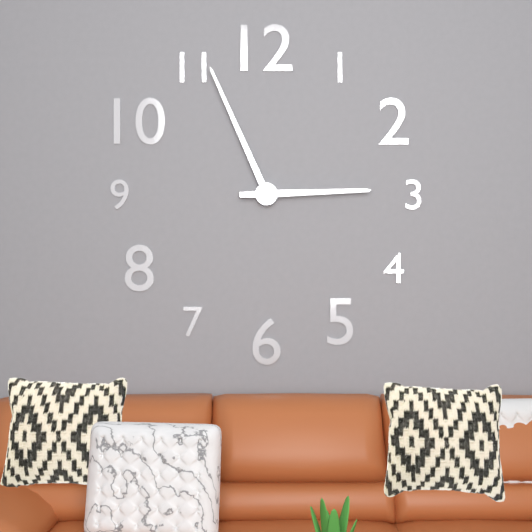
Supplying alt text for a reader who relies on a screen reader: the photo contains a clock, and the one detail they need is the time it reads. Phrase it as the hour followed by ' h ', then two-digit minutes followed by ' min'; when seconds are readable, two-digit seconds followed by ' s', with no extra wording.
2 h 56 min
